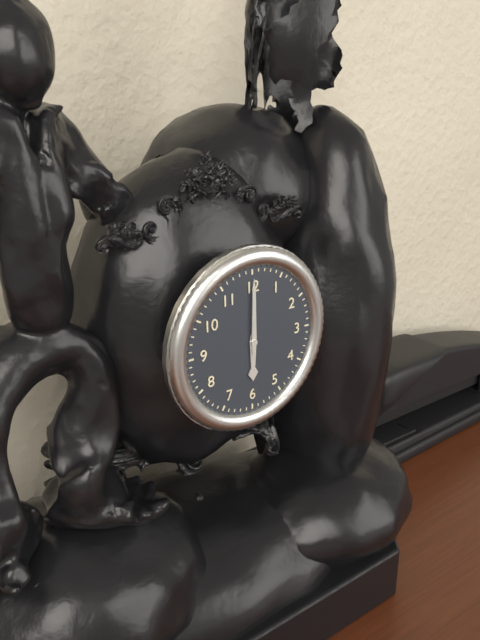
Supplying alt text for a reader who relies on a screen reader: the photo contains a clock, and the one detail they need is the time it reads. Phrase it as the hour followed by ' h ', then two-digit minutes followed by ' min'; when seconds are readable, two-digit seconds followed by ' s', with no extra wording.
6 h 00 min
